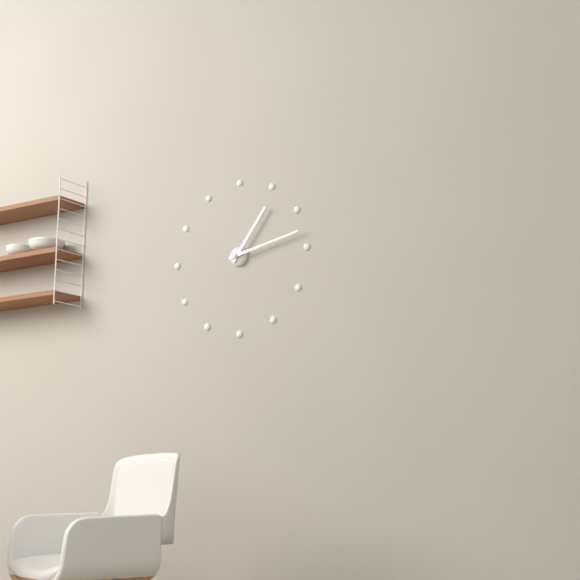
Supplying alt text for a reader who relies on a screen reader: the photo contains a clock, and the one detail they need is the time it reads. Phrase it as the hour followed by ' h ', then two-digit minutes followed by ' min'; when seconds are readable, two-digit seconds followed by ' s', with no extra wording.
1 h 13 min
